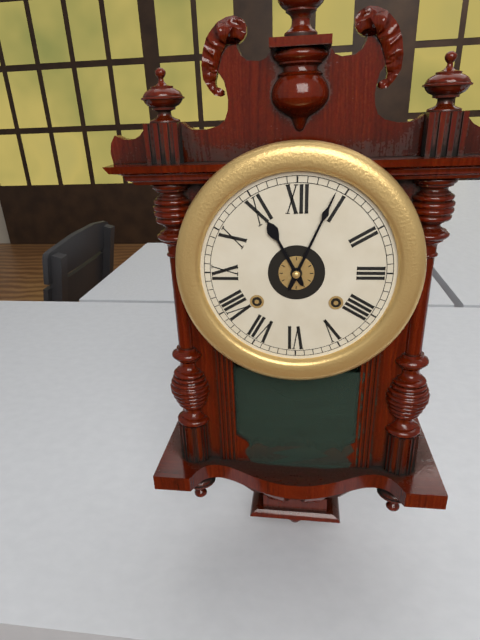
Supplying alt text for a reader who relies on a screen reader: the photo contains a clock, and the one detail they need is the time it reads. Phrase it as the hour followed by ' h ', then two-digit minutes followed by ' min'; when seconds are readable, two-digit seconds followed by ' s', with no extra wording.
11 h 04 min
